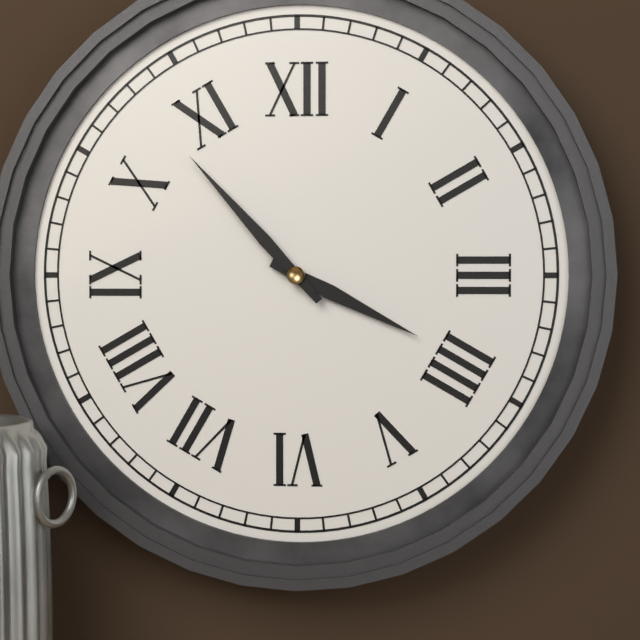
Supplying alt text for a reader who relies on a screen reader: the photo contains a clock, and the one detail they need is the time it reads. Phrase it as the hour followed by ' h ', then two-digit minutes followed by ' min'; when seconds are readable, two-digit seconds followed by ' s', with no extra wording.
3 h 53 min
